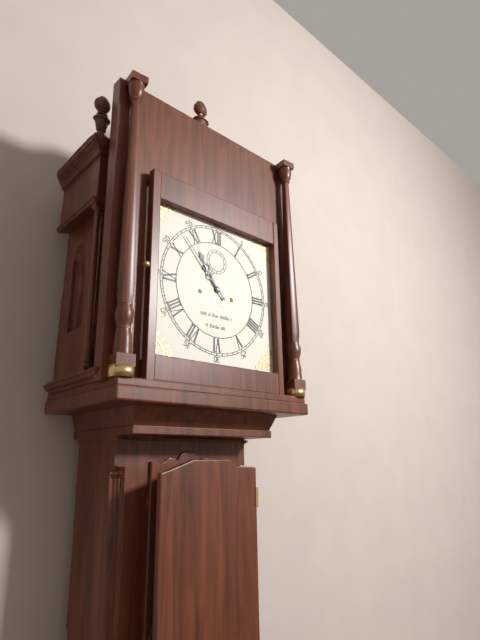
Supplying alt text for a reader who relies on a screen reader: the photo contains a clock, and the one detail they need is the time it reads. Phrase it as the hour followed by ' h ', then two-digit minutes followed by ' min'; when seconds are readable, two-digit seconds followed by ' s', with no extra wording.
10 h 53 min
